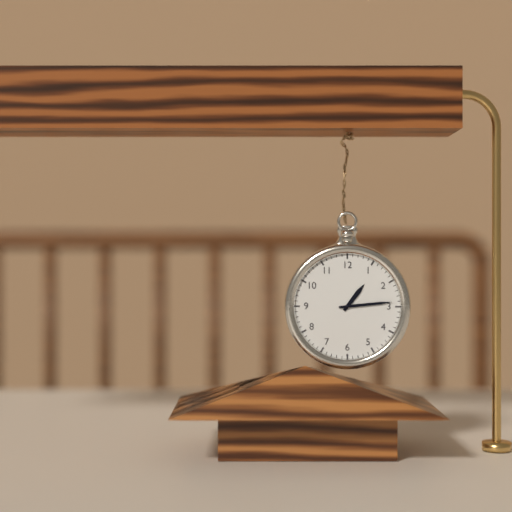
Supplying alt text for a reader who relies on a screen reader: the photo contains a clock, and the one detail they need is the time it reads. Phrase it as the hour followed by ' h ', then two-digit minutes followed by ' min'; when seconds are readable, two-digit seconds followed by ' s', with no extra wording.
1 h 14 min
